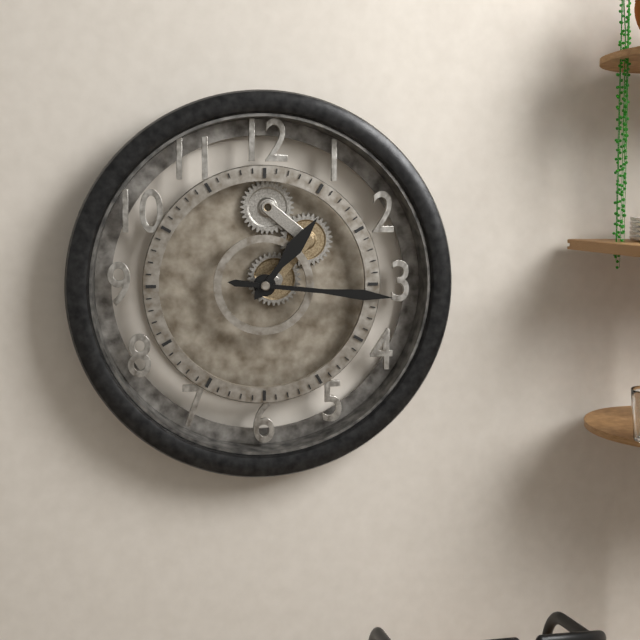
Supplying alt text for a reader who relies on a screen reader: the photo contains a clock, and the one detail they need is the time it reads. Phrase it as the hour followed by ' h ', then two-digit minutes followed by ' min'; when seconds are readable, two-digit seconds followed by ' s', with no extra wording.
1 h 16 min
